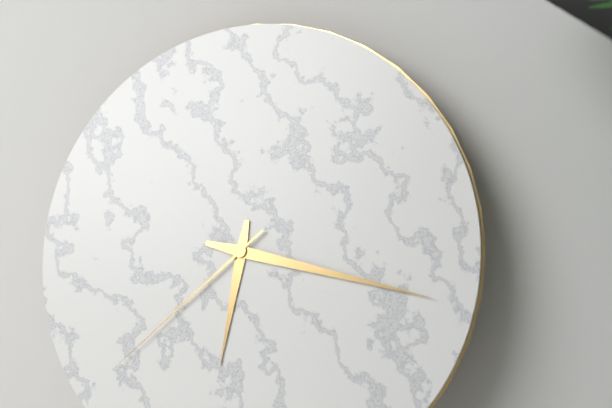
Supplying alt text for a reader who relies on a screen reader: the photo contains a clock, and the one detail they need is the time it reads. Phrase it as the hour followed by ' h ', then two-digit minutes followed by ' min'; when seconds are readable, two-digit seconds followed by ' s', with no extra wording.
6 h 17 min 38 s
